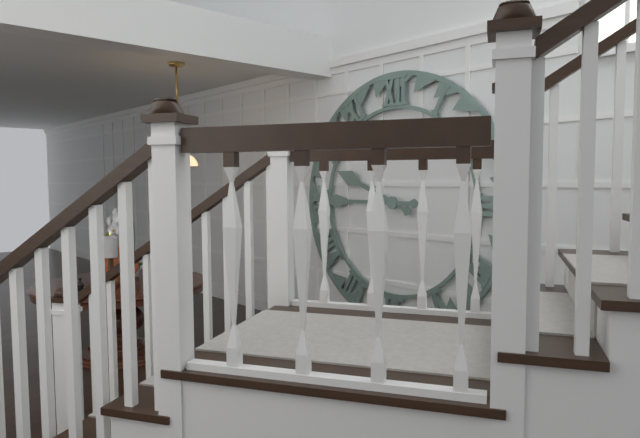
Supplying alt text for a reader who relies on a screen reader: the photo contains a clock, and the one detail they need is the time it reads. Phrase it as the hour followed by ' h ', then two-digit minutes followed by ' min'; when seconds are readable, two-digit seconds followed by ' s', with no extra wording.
9 h 45 min
